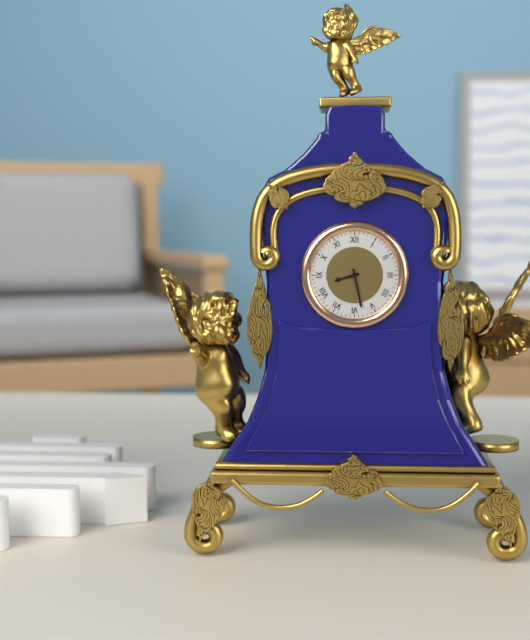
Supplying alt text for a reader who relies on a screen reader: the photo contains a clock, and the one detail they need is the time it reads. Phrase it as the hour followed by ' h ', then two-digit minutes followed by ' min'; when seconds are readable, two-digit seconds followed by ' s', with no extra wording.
8 h 28 min
